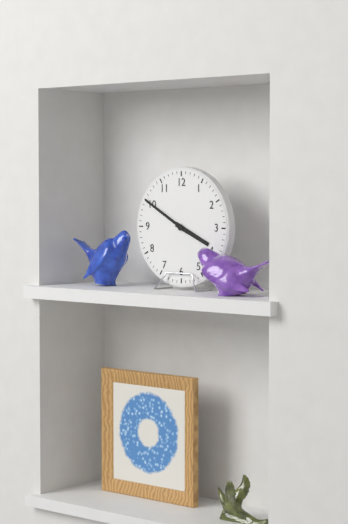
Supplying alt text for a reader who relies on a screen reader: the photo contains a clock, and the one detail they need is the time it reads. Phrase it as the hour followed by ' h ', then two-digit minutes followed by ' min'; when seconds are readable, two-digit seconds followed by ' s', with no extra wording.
3 h 50 min
